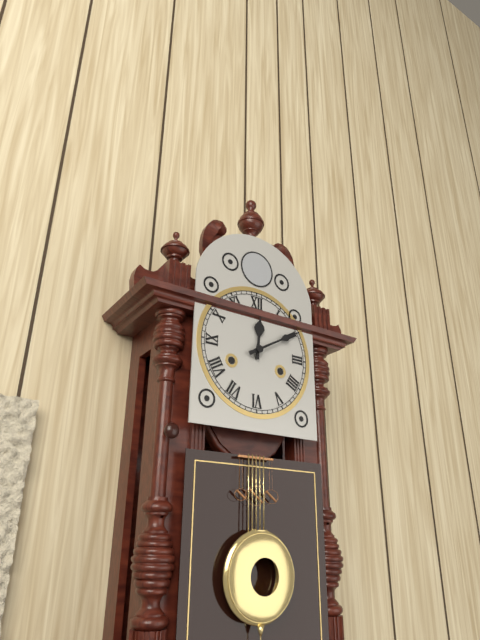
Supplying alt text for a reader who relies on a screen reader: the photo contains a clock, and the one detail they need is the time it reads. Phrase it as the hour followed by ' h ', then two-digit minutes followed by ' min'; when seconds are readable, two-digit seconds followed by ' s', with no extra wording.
12 h 10 min
